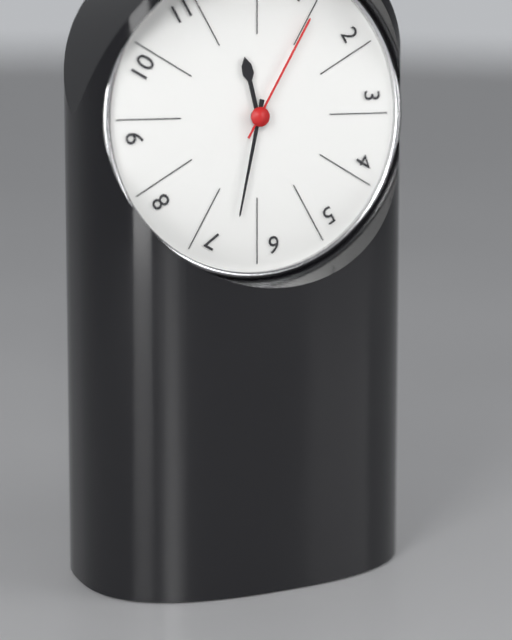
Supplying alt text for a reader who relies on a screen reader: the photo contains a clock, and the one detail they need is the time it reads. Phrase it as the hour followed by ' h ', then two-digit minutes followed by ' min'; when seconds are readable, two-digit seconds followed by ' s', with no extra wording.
11 h 32 min 05 s
